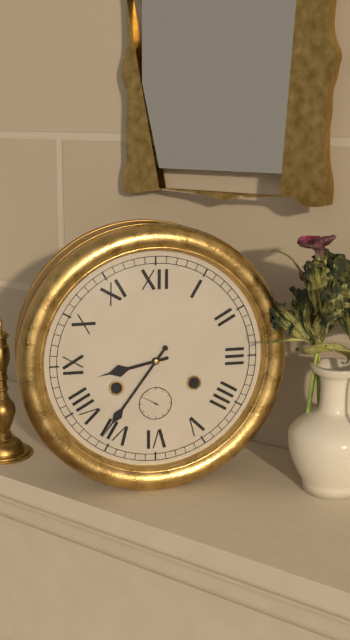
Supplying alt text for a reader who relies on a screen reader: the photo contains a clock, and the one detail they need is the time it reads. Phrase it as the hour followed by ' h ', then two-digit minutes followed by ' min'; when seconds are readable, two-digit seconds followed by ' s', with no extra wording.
8 h 36 min
